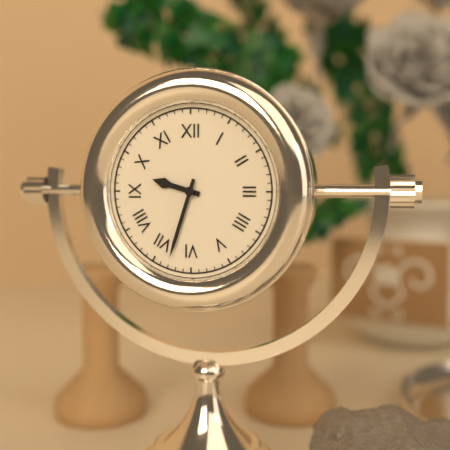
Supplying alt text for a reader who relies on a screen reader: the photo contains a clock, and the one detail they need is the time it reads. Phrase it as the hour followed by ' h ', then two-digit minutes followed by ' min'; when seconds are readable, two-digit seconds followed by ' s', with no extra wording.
9 h 33 min
